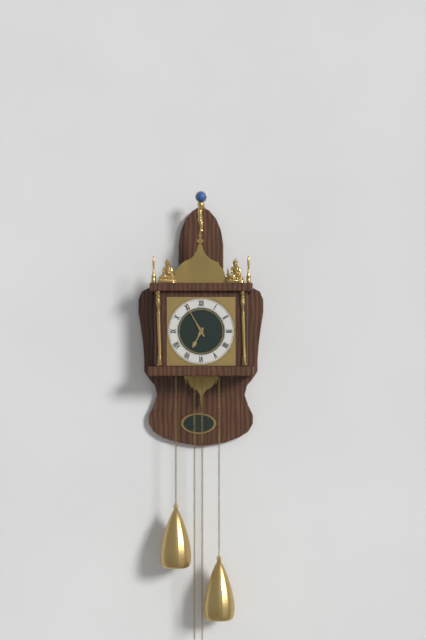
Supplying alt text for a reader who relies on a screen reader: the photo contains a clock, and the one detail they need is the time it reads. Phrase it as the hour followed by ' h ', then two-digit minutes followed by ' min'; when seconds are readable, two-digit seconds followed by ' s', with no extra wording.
6 h 55 min
